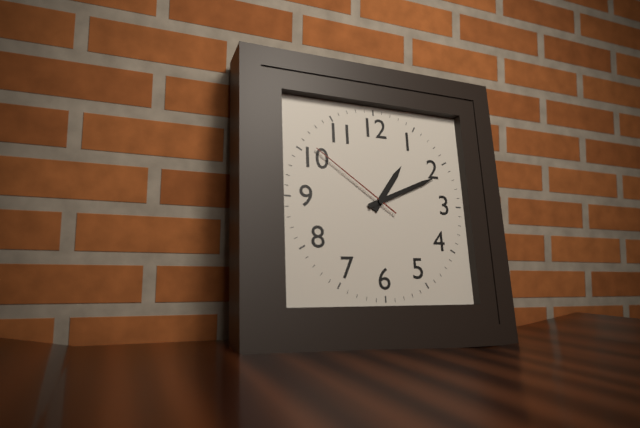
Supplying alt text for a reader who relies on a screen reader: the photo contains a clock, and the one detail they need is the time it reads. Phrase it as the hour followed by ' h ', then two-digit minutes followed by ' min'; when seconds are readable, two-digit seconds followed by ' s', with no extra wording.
1 h 11 min 51 s
